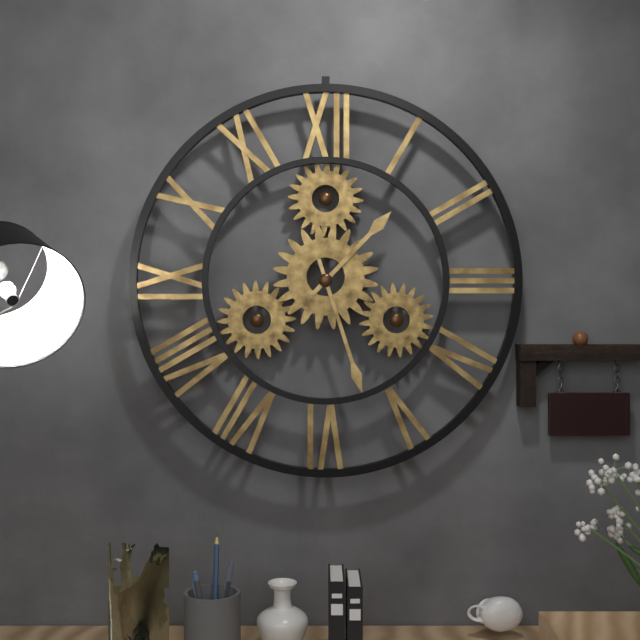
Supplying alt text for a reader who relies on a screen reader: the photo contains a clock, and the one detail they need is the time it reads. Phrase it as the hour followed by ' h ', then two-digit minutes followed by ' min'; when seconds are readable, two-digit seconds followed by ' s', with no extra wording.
1 h 27 min
